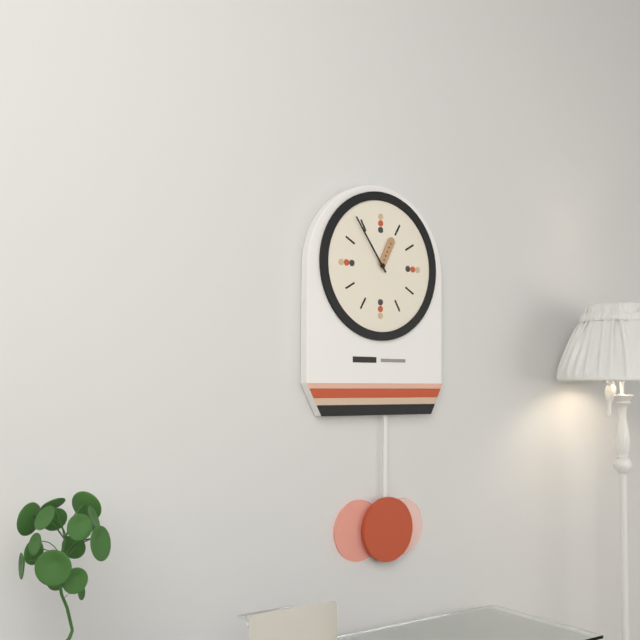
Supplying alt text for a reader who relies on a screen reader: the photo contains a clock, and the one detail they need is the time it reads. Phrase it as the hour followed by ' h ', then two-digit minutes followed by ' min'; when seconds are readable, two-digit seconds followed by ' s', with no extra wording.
12 h 54 min
